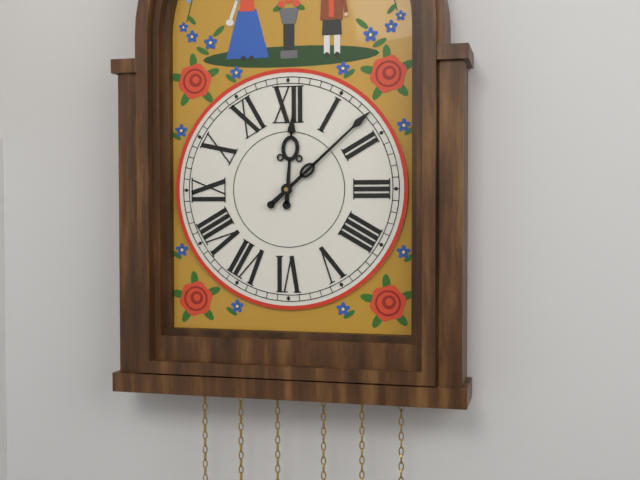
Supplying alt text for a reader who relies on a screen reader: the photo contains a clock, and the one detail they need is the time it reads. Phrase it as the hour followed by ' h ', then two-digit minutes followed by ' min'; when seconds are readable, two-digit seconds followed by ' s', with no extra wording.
12 h 08 min
